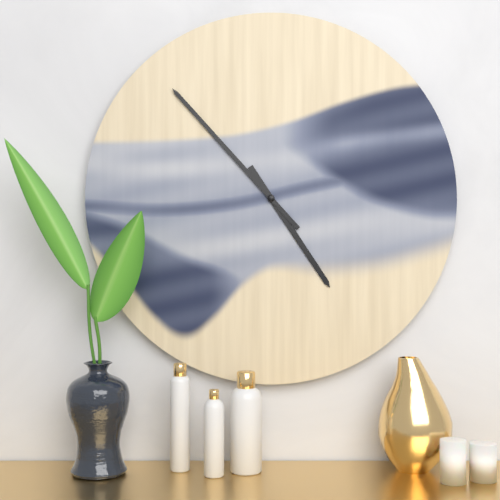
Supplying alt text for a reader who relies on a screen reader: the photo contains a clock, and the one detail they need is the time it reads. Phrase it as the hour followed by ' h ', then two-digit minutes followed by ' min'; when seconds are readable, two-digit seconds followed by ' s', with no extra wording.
4 h 53 min
